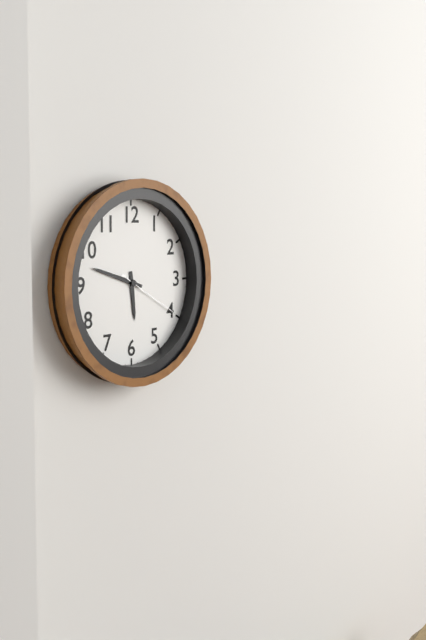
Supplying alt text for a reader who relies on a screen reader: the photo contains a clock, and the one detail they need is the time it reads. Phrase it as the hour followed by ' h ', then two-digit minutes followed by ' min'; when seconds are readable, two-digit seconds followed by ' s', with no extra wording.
5 h 48 min 20 s
